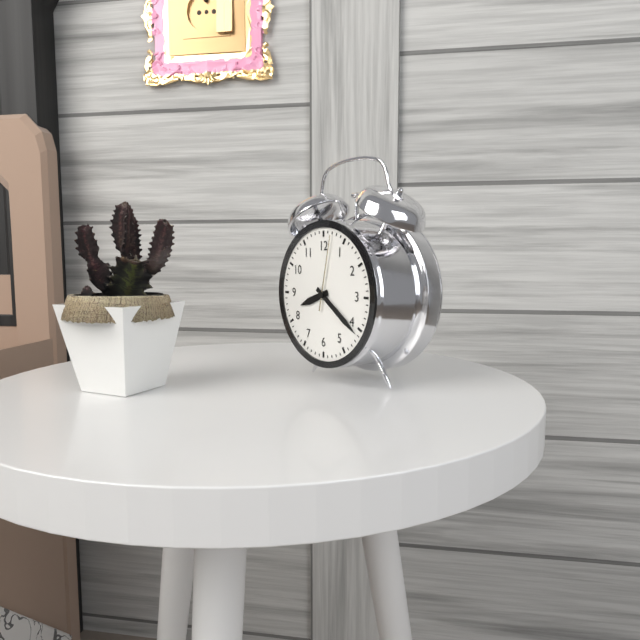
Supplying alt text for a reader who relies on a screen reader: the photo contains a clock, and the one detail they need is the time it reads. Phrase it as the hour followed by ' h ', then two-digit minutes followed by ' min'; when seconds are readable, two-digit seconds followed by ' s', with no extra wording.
8 h 21 min 02 s
